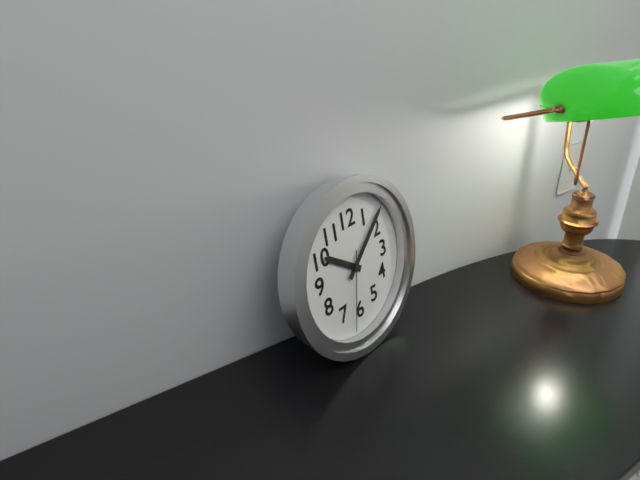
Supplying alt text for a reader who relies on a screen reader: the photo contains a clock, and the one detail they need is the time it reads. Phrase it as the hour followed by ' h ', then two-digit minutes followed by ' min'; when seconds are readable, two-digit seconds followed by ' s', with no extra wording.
10 h 08 min 32 s
